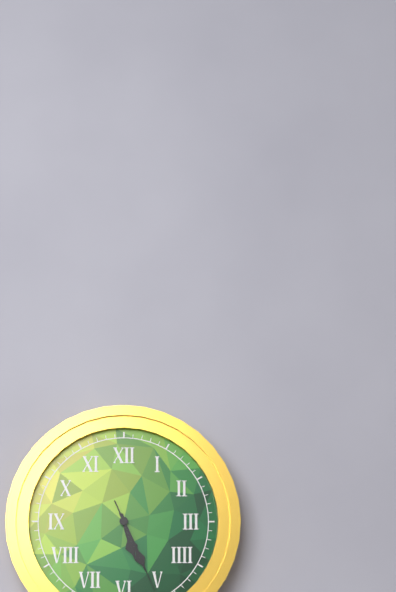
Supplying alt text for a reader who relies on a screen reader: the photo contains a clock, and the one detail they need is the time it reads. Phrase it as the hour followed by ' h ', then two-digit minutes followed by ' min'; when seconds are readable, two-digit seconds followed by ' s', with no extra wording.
5 h 26 min 26 s
